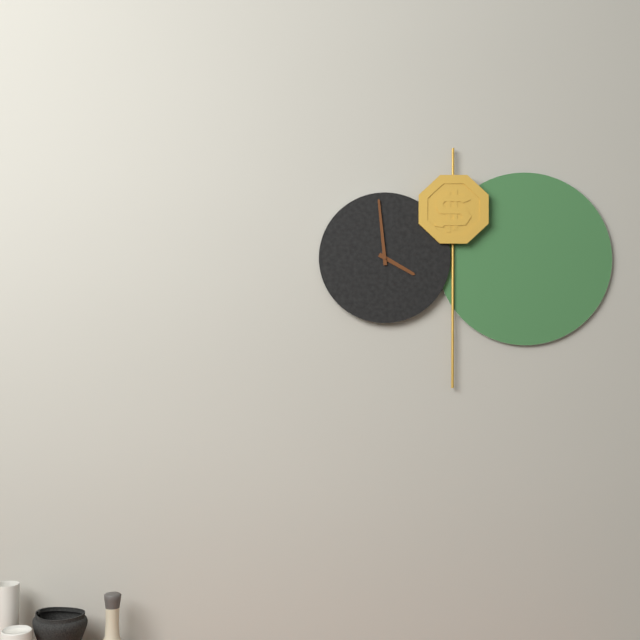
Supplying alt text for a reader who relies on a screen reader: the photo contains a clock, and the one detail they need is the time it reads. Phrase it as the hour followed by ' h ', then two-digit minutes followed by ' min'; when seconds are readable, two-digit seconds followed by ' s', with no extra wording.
3 h 59 min
